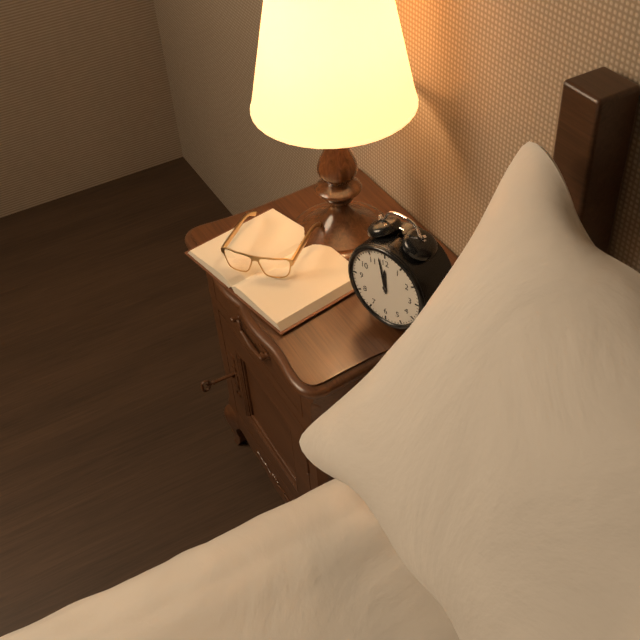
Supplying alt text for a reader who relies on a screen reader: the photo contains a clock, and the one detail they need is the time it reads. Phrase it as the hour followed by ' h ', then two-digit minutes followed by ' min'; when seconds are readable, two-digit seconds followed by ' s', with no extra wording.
11 h 58 min
